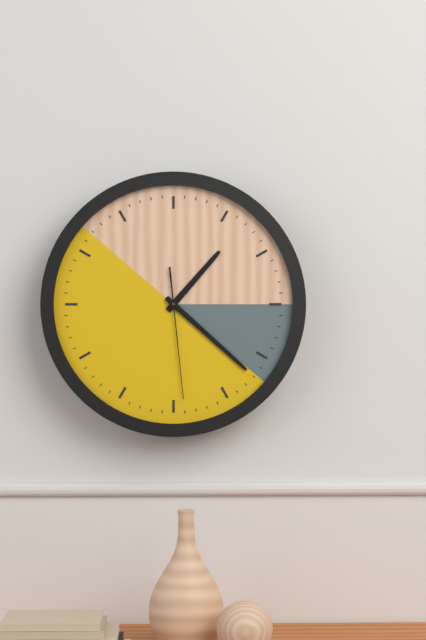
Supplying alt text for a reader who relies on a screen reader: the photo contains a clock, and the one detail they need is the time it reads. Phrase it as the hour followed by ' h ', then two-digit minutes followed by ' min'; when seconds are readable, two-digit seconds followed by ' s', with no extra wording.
1 h 22 min 29 s
